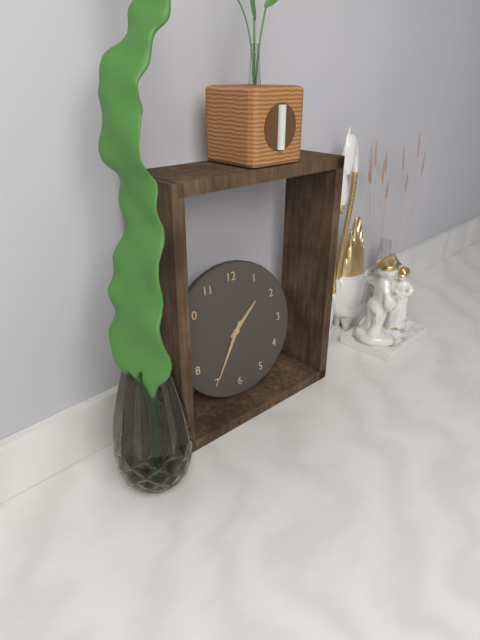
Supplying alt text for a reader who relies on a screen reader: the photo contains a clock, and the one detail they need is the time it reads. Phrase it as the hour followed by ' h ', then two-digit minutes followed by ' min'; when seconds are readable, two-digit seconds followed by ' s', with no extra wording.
1 h 35 min
